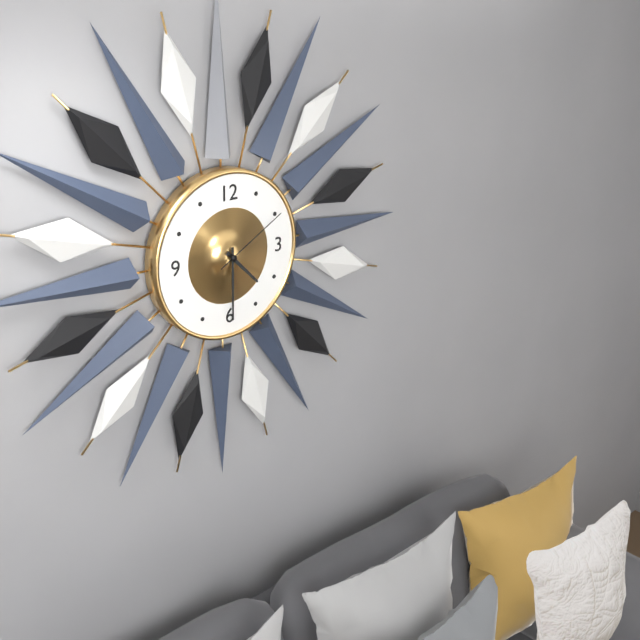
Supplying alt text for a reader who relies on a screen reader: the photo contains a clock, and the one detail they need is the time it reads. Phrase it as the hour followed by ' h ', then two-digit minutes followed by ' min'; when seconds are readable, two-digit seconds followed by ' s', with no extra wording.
4 h 30 min 10 s
